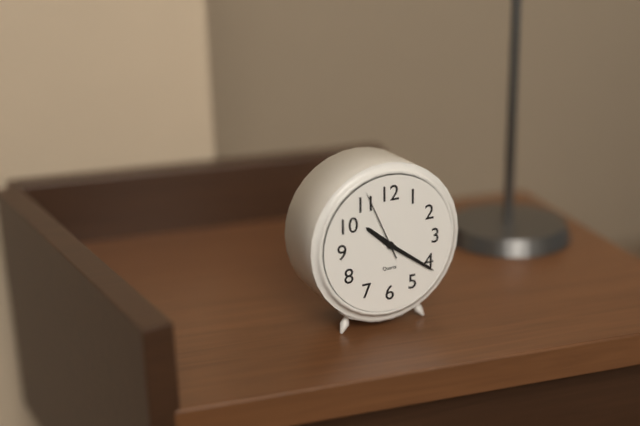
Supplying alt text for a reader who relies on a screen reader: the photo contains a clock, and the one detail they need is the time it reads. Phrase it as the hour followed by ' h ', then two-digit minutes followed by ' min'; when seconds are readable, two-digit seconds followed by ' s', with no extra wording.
10 h 21 min 56 s
